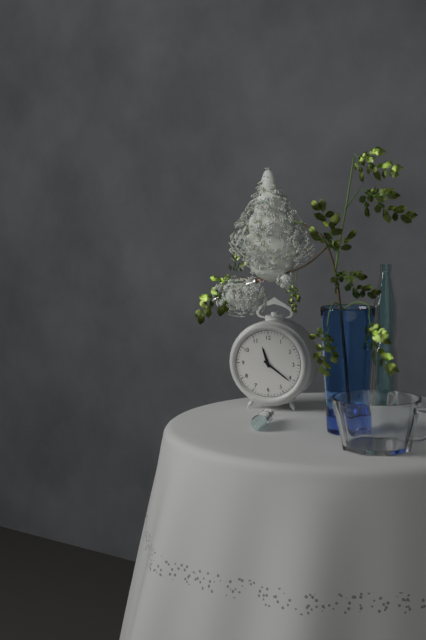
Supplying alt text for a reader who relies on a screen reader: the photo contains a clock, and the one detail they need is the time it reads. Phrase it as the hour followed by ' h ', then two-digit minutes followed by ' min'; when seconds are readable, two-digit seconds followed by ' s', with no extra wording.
11 h 21 min
